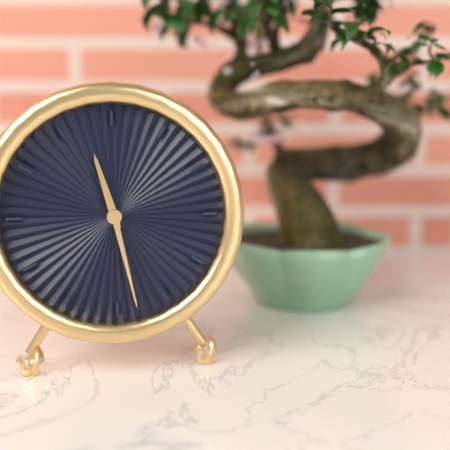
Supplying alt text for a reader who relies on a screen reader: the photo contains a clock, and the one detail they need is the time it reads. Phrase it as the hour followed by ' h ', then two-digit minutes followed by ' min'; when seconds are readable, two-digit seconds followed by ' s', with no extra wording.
11 h 28 min
